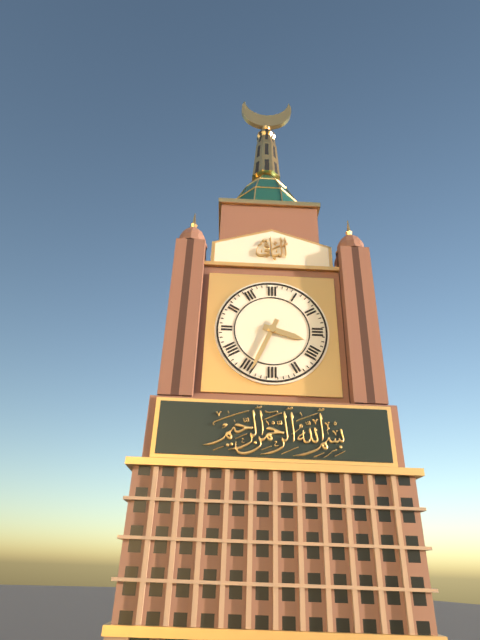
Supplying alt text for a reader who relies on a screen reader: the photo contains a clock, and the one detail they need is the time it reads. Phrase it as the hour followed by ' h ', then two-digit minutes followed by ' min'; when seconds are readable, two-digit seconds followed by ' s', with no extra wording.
3 h 34 min
